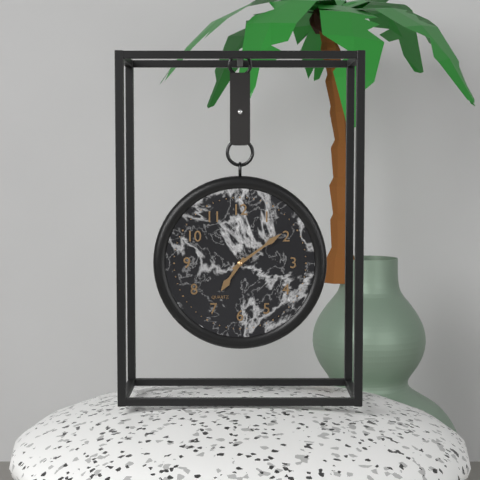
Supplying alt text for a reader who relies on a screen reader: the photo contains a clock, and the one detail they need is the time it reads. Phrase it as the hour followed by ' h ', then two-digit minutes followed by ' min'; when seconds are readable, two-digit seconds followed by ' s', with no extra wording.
7 h 09 min
